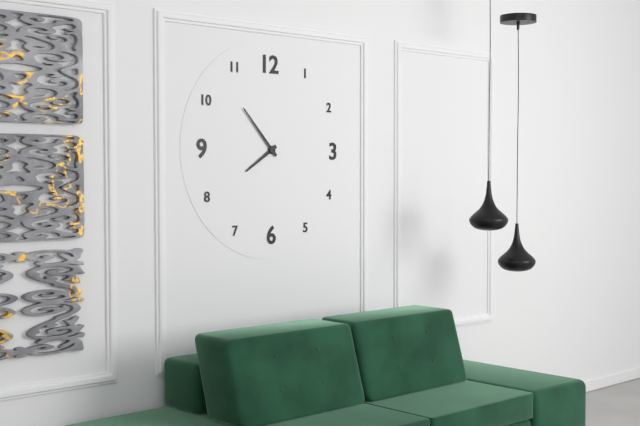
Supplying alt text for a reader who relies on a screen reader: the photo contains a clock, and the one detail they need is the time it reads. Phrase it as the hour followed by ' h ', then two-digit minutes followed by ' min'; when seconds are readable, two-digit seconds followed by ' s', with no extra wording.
7 h 53 min
